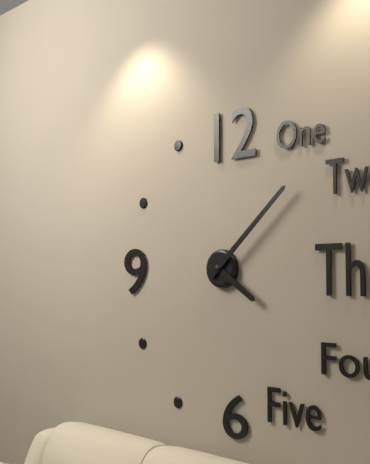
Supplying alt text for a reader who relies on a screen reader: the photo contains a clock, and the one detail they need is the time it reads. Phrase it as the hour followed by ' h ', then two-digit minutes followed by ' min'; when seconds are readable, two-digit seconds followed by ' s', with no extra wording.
4 h 08 min
